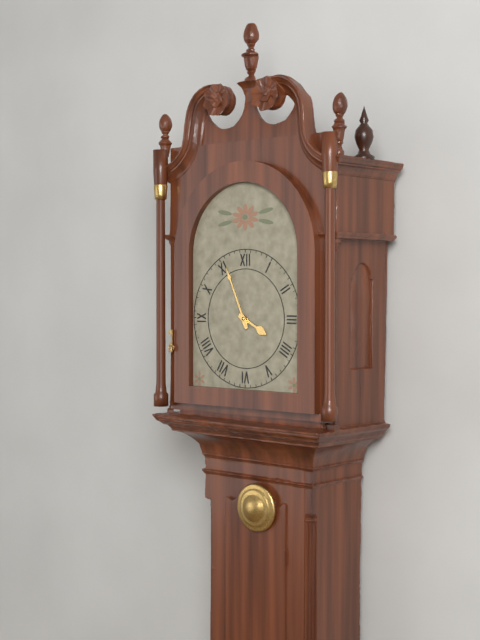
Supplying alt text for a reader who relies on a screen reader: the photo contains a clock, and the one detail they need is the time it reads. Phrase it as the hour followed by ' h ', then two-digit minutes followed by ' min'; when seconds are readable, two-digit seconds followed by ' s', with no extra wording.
3 h 56 min
